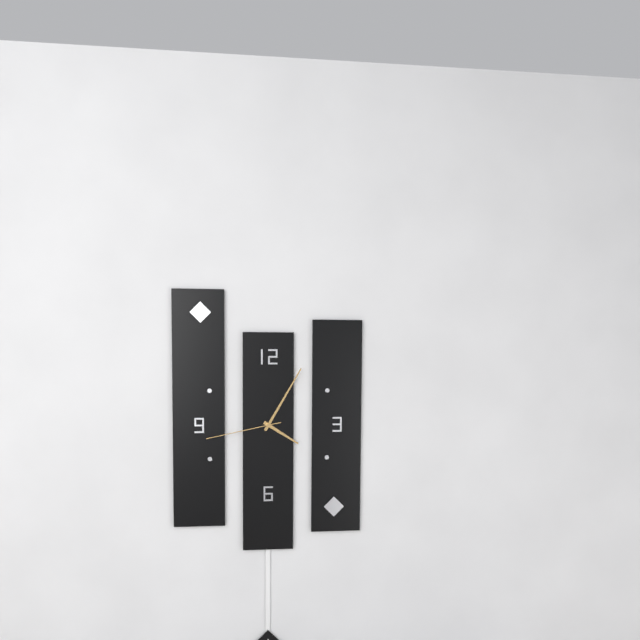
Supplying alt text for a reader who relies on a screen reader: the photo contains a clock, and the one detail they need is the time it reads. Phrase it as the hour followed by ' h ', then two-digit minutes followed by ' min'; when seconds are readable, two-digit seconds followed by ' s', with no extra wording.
4 h 05 min 43 s
